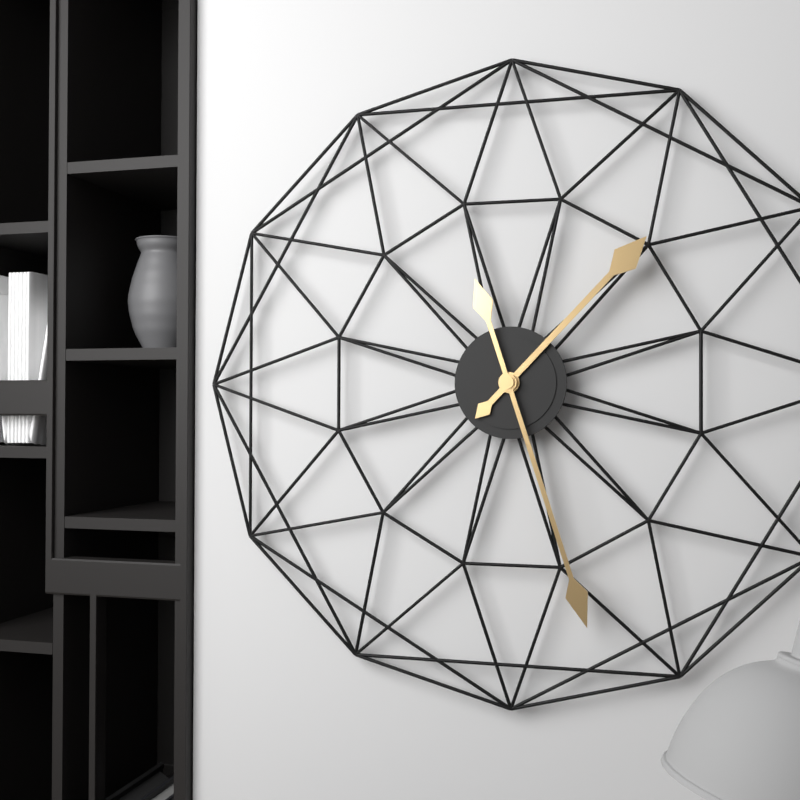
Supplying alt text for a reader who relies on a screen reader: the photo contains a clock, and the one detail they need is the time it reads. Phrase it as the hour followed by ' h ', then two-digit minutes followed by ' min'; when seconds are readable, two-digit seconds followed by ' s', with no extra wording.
1 h 27 min
